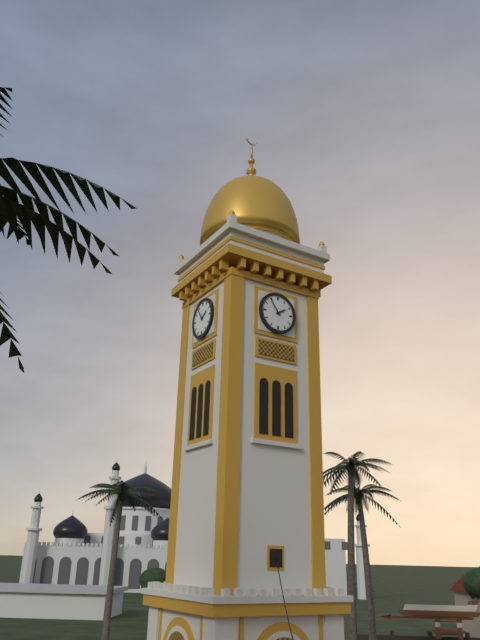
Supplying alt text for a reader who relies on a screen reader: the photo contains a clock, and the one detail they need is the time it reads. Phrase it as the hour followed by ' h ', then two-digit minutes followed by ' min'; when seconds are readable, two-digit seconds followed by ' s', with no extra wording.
1 h 54 min
